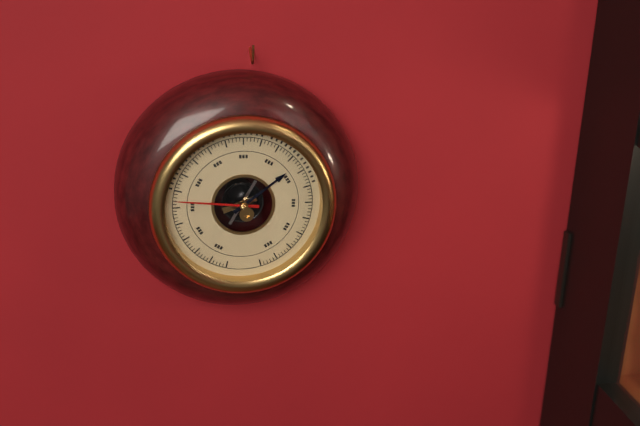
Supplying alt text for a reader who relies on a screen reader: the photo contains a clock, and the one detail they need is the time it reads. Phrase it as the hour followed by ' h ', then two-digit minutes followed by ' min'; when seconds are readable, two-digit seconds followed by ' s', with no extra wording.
1 h 46 min
